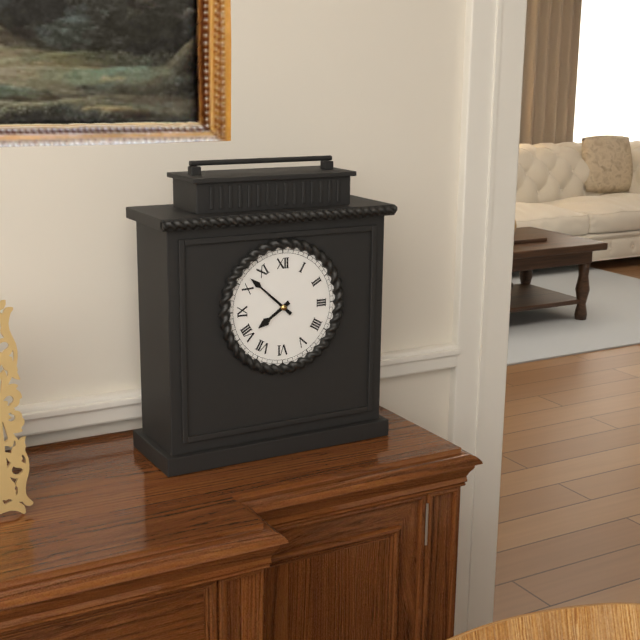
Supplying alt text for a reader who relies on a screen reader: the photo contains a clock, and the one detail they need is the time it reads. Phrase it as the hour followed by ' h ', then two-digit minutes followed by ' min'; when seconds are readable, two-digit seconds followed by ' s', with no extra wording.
7 h 52 min
